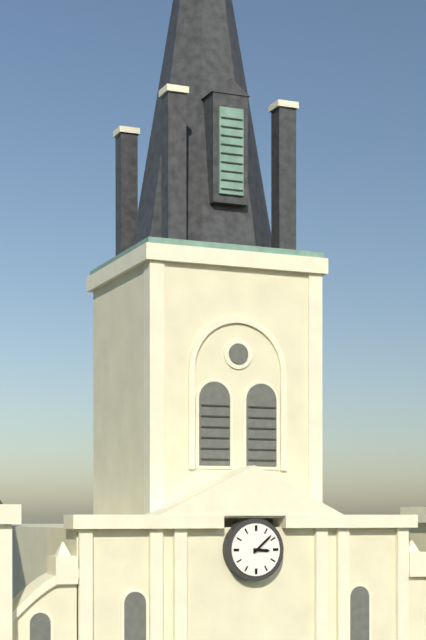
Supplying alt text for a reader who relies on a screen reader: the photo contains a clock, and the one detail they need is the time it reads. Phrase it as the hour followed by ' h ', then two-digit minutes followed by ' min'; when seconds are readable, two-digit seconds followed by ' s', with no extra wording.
3 h 08 min
